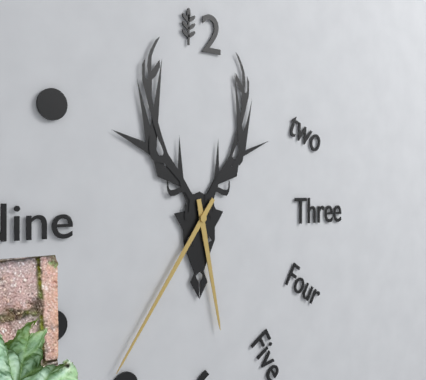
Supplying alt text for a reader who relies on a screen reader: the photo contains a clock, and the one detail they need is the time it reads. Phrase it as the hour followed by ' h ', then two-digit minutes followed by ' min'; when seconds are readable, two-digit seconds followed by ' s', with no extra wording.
5 h 36 min
